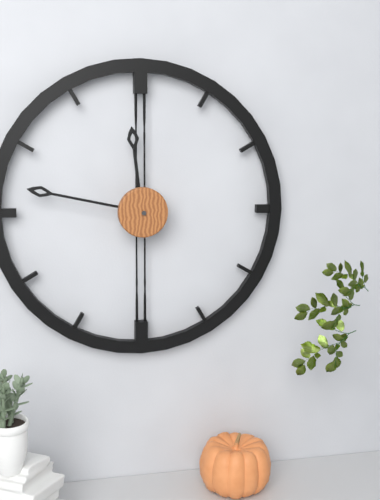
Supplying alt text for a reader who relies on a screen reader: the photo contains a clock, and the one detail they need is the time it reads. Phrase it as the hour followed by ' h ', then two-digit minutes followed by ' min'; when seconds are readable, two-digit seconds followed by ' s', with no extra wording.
11 h 47 min
